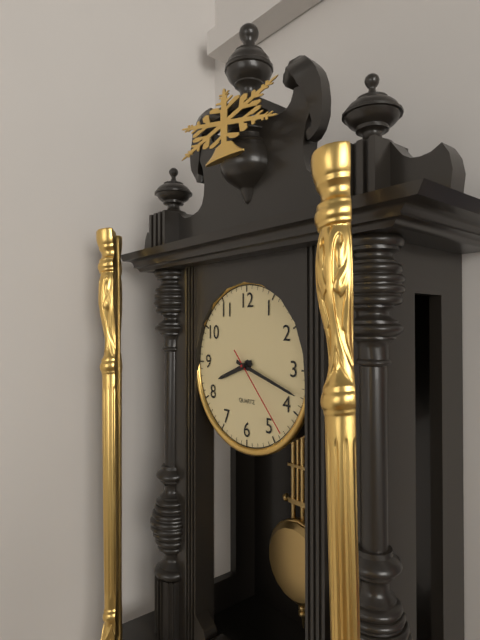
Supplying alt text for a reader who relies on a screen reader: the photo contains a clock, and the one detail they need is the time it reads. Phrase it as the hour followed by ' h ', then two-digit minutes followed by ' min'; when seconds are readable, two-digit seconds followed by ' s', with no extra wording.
8 h 18 min 23 s
